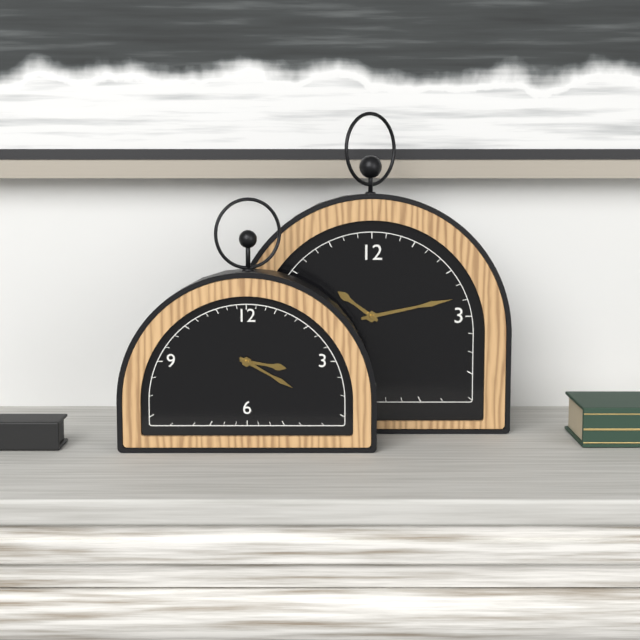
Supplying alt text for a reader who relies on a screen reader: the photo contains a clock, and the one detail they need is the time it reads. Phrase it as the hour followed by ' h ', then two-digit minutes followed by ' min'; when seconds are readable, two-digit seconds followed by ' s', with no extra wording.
3 h 20 min
